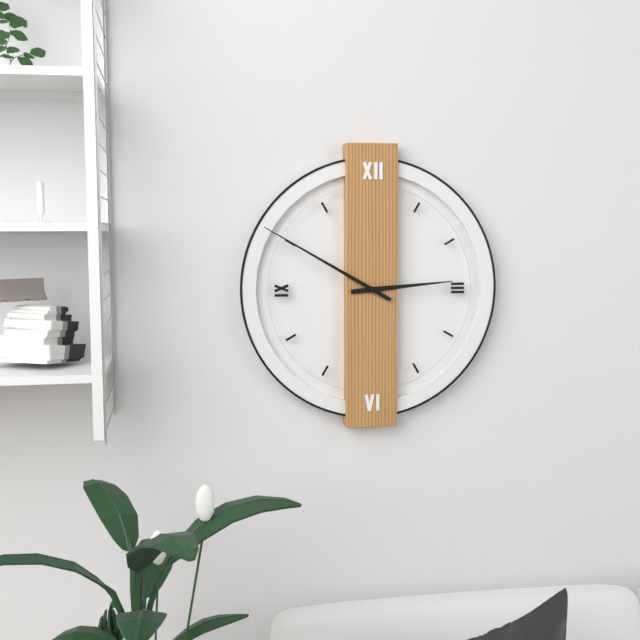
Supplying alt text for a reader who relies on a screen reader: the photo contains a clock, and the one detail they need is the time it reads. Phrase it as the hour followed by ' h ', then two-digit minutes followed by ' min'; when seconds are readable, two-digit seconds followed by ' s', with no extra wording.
2 h 50 min
